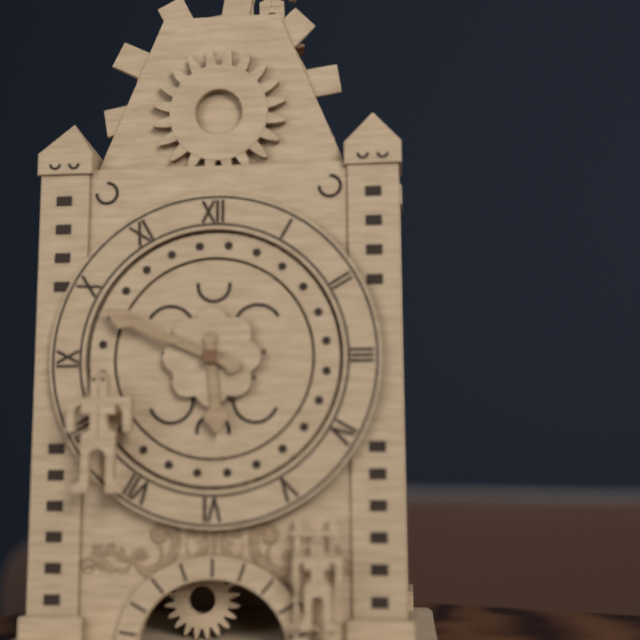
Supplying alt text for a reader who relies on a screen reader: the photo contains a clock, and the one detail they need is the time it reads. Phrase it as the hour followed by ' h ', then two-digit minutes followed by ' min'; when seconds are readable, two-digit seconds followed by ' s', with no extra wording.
5 h 49 min
